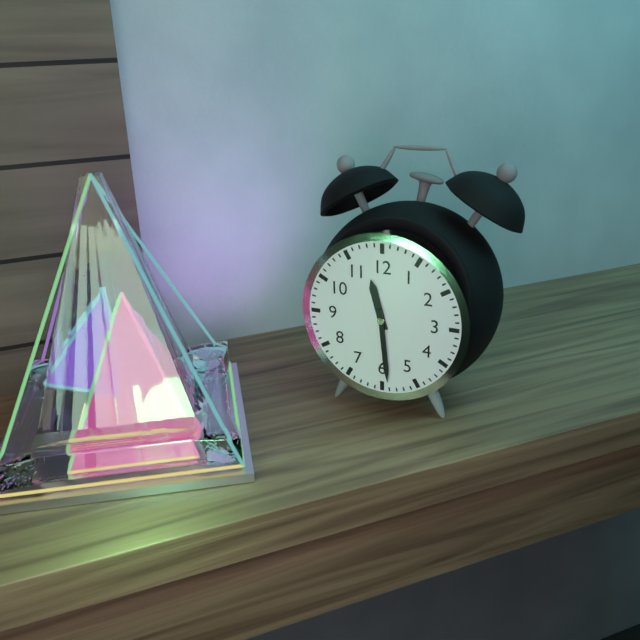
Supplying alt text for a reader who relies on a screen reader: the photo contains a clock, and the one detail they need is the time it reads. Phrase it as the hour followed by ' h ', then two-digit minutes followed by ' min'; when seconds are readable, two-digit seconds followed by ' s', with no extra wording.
11 h 29 min
